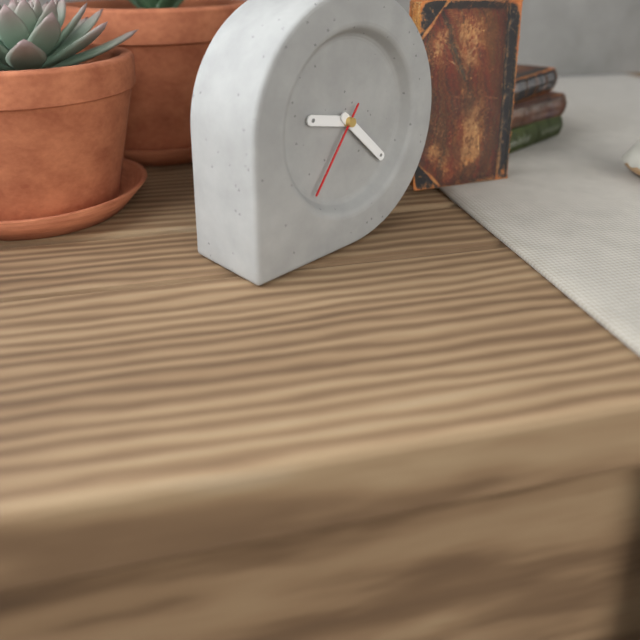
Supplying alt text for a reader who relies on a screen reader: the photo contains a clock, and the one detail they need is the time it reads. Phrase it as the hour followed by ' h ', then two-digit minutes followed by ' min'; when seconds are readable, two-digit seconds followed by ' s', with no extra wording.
9 h 22 min 36 s
